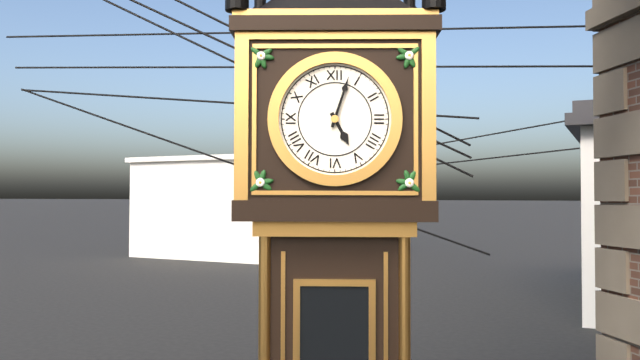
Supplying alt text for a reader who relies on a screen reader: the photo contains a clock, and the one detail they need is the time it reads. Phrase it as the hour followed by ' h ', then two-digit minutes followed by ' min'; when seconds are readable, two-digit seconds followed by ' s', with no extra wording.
5 h 03 min
